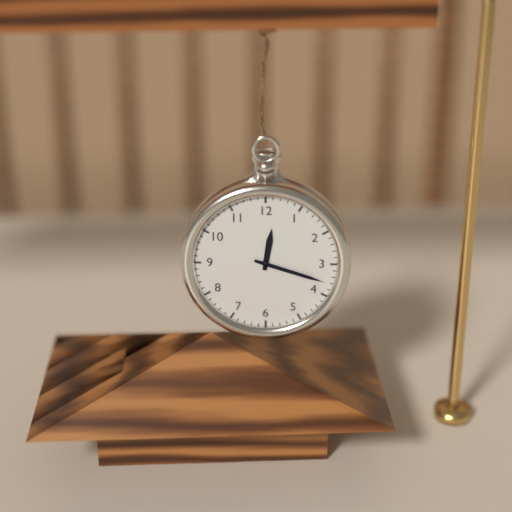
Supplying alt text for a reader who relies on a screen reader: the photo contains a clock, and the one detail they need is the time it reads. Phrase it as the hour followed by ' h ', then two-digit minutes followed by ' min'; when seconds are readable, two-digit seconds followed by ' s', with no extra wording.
12 h 18 min
